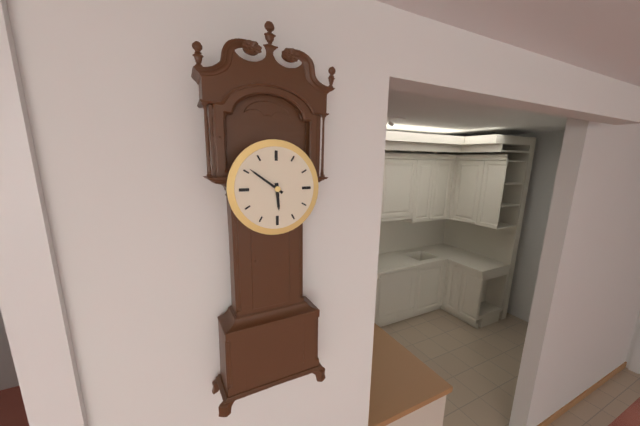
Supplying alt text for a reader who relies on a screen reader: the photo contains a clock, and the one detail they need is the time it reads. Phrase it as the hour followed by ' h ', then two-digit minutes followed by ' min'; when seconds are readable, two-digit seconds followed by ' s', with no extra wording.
5 h 51 min
